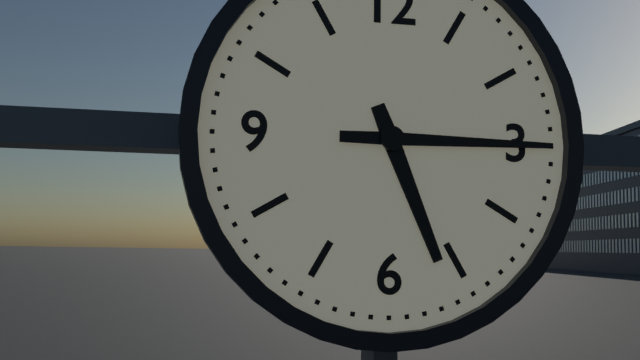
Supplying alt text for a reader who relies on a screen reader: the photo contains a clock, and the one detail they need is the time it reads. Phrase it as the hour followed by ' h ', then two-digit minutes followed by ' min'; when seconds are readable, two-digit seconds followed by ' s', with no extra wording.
5 h 15 min
